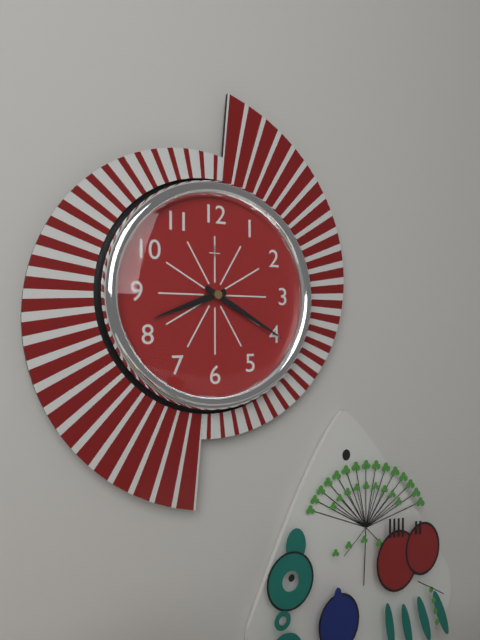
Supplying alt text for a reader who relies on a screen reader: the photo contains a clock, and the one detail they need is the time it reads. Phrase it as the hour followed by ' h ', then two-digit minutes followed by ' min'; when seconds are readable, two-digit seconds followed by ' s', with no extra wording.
8 h 20 min
